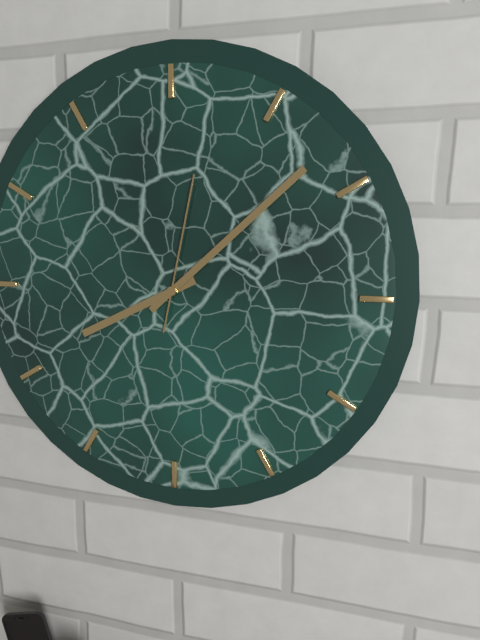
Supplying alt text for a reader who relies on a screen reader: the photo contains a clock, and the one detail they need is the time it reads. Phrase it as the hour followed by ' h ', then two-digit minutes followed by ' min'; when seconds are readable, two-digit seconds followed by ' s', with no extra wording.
8 h 08 min 02 s
